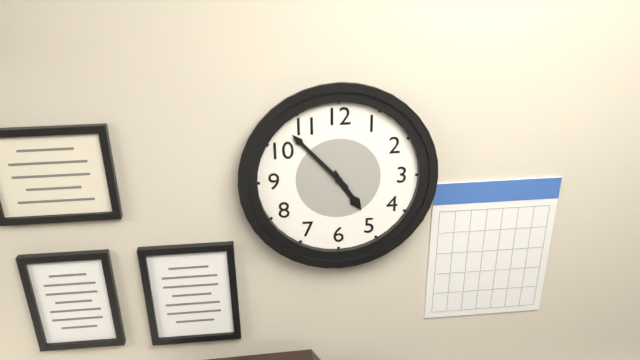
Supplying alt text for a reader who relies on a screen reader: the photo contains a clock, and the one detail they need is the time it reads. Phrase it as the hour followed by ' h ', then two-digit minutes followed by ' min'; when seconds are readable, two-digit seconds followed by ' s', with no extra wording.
4 h 53 min
